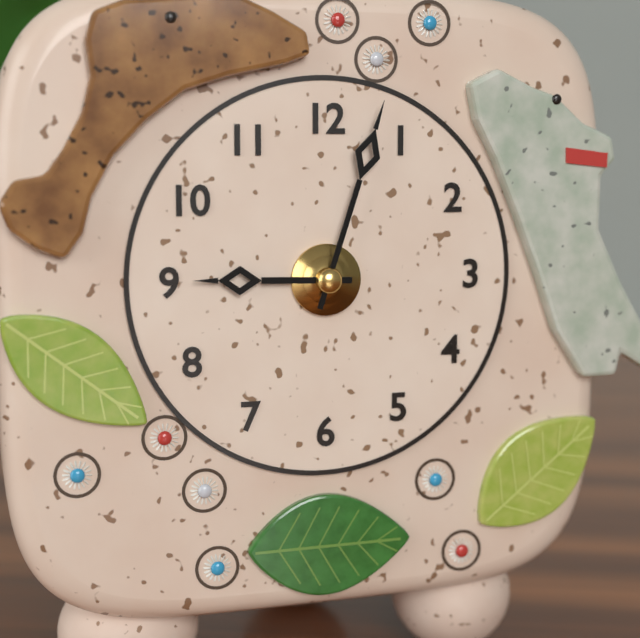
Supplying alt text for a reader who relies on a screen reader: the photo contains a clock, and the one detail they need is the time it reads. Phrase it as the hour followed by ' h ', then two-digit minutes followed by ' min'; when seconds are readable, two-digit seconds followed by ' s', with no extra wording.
9 h 03 min
